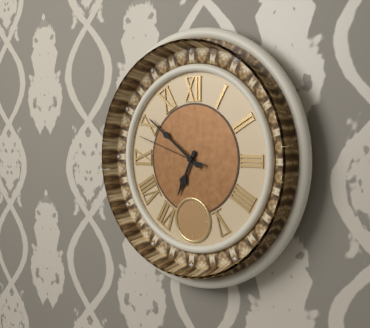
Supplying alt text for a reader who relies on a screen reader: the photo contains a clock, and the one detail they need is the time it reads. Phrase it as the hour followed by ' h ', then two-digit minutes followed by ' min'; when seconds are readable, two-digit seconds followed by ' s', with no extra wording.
6 h 51 min 48 s
